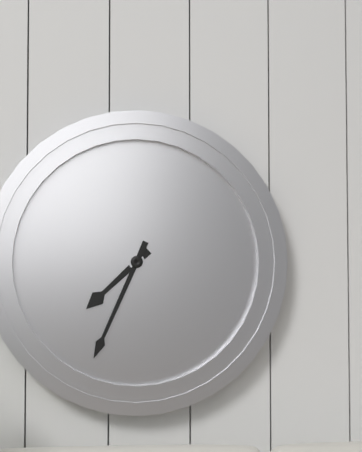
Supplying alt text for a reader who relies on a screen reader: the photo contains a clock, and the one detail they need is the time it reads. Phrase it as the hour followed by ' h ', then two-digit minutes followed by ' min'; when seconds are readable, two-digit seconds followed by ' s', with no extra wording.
7 h 34 min
